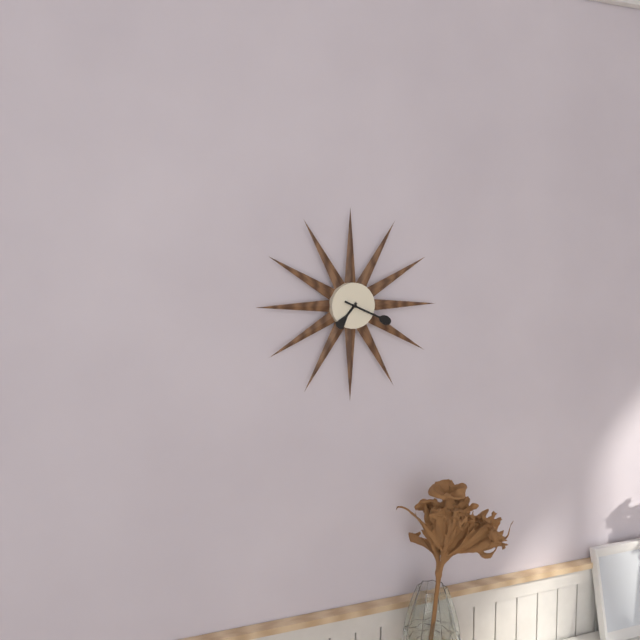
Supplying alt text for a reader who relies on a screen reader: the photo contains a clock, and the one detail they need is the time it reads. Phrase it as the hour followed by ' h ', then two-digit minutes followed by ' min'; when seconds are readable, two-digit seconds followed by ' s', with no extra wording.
7 h 19 min
